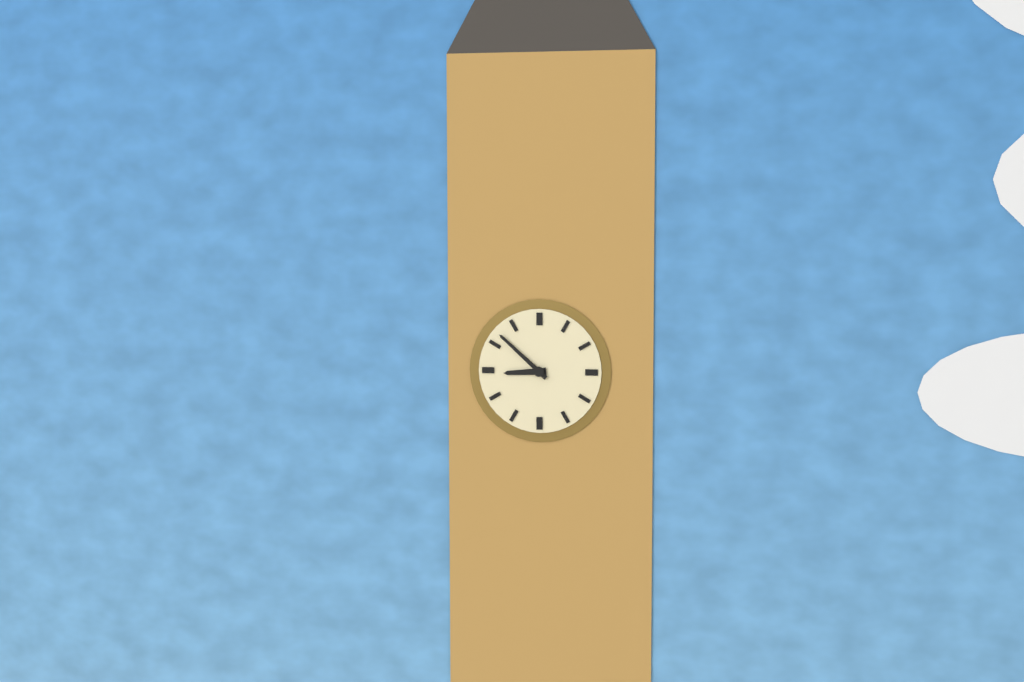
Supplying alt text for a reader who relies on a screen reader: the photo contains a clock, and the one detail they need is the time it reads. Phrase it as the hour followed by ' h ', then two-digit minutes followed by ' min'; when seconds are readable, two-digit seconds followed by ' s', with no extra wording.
8 h 52 min
